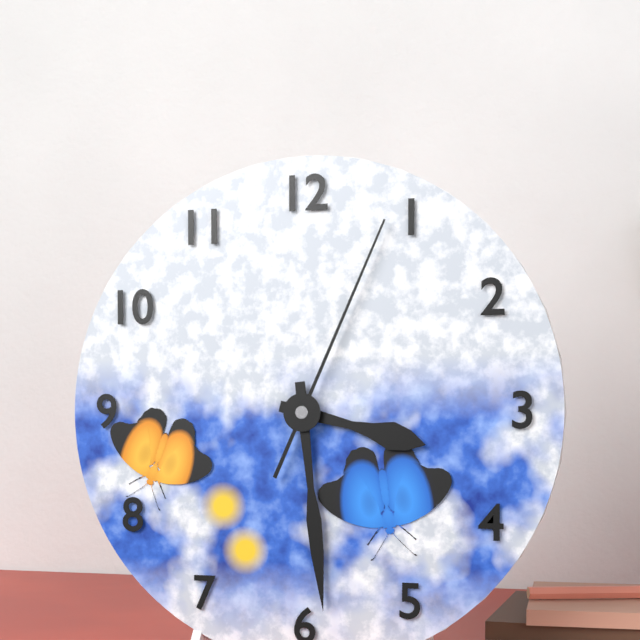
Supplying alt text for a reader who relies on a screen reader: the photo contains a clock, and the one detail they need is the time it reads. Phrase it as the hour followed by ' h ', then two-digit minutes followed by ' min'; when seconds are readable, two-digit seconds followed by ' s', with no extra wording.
3 h 29 min 04 s
